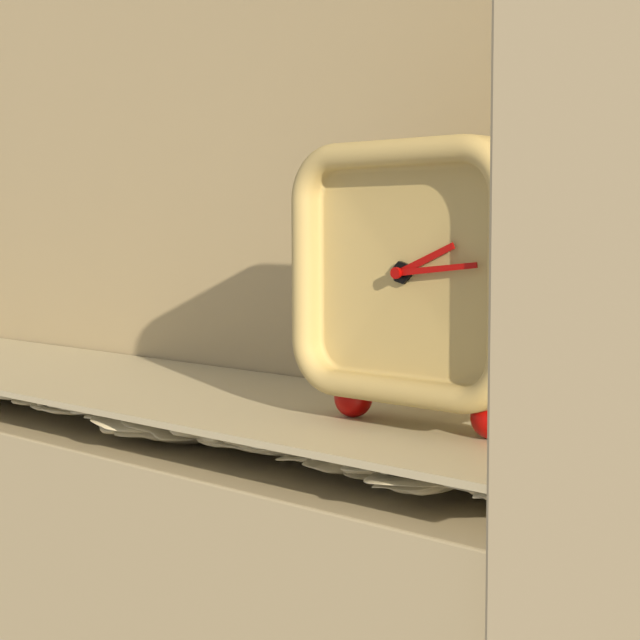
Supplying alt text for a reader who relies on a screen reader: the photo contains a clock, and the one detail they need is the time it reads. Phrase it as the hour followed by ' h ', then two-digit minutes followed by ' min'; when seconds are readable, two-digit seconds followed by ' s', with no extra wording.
2 h 14 min
